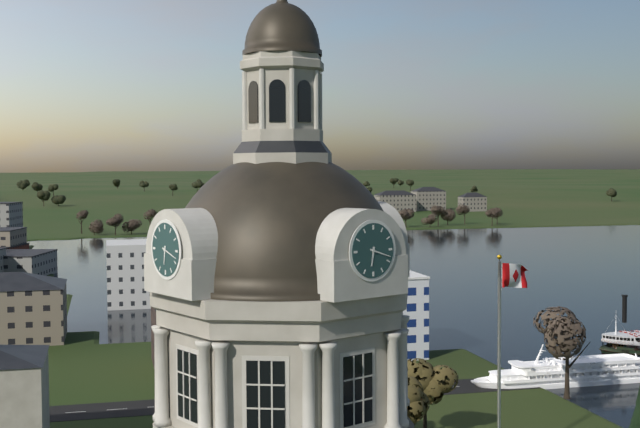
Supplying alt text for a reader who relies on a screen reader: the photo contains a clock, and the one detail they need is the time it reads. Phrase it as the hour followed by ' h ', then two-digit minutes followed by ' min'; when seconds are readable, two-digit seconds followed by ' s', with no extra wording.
6 h 18 min
